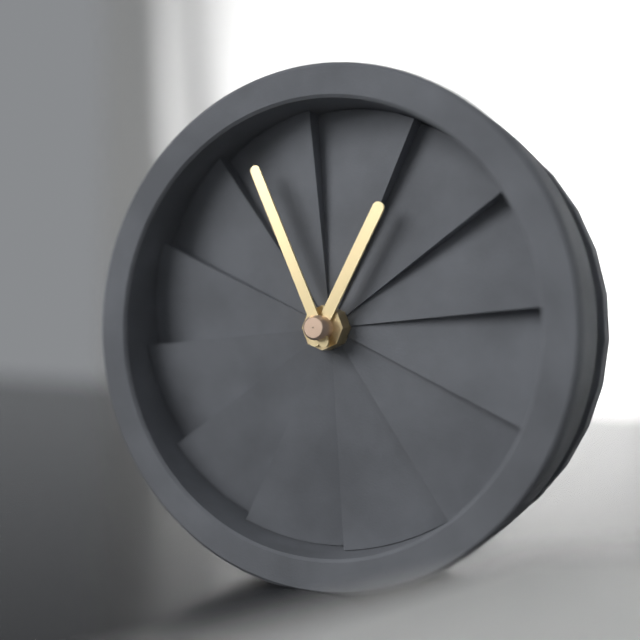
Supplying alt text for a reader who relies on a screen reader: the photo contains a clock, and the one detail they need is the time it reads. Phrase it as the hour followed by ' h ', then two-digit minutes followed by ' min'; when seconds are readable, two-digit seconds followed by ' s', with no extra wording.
12 h 56 min
